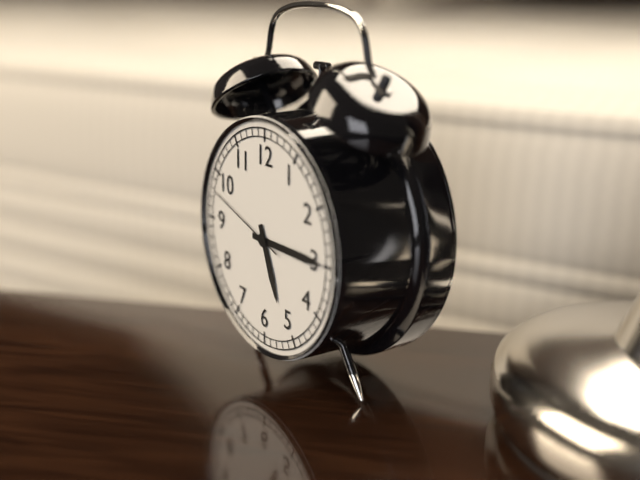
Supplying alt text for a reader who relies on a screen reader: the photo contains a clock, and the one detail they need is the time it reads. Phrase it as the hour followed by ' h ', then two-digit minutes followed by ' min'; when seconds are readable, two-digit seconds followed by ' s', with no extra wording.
5 h 15 min 48 s
